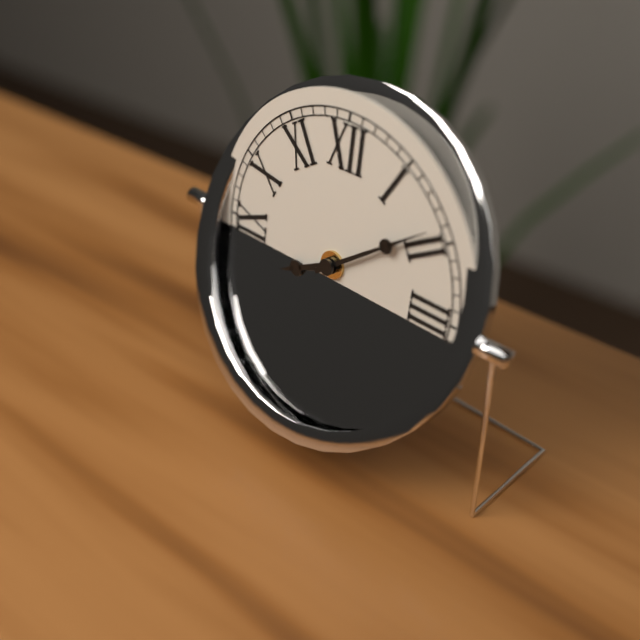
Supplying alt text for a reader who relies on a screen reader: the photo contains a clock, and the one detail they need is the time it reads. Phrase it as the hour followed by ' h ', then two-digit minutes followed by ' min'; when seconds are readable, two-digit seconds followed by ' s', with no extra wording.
8 h 09 min
